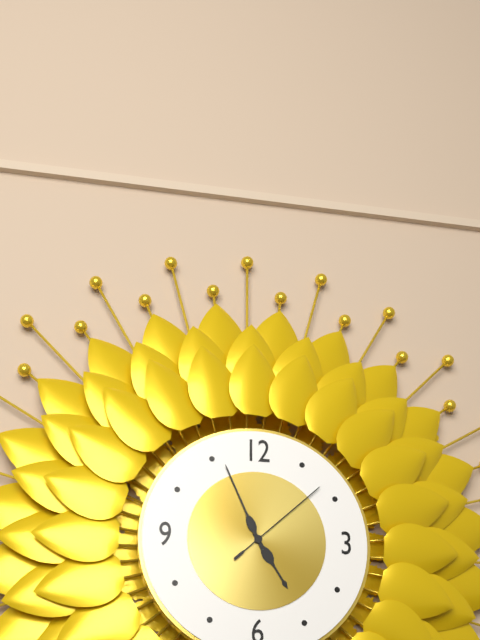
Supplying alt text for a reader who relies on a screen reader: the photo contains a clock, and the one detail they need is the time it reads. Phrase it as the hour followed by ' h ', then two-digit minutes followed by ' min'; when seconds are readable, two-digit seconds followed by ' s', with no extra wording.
4 h 56 min 08 s
